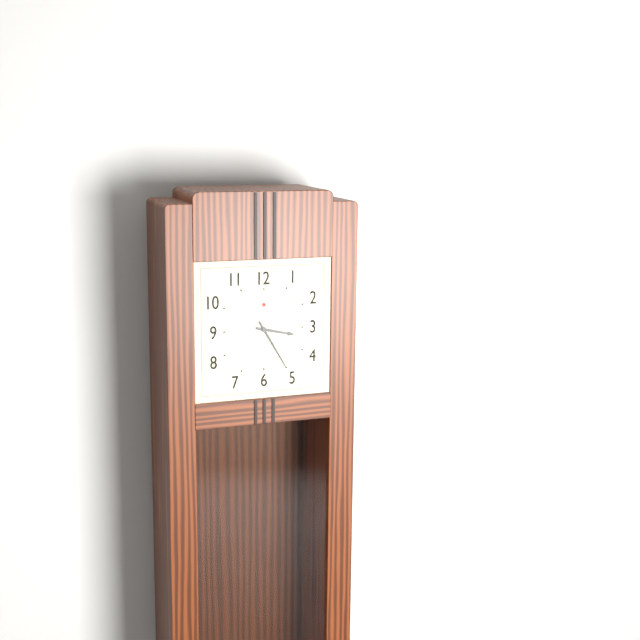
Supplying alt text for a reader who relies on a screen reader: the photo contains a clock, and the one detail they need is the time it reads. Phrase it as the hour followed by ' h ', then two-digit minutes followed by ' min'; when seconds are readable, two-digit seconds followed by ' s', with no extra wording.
3 h 25 min
